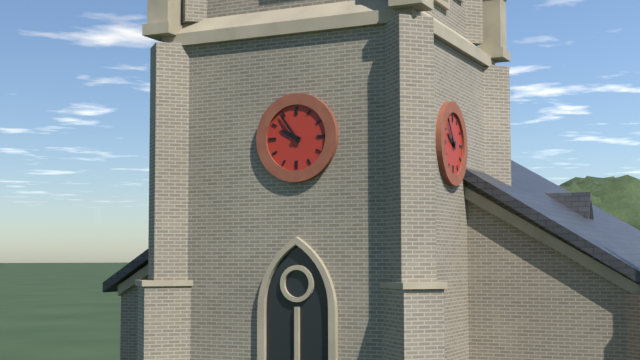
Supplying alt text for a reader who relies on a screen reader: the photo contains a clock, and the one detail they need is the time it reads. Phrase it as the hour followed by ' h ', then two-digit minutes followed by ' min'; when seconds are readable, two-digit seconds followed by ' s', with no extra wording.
9 h 54 min
